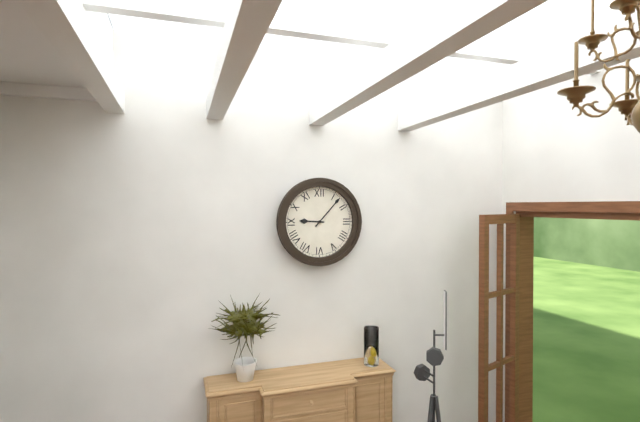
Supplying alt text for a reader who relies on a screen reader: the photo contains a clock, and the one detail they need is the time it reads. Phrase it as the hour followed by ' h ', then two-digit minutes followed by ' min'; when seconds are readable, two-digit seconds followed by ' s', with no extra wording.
9 h 07 min
